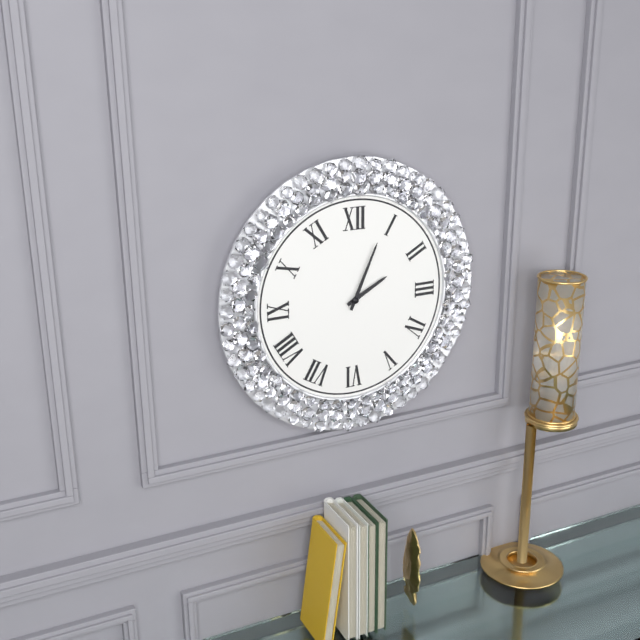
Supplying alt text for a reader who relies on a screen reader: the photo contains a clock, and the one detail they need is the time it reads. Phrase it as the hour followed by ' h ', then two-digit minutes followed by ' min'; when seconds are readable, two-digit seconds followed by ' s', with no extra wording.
2 h 04 min
